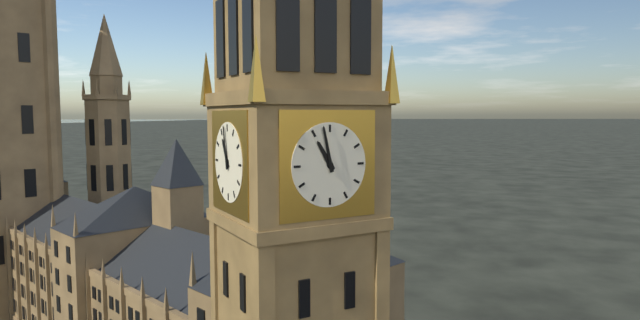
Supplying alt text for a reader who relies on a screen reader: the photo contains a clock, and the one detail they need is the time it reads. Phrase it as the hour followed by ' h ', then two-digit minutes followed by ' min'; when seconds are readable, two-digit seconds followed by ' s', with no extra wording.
10 h 58 min
